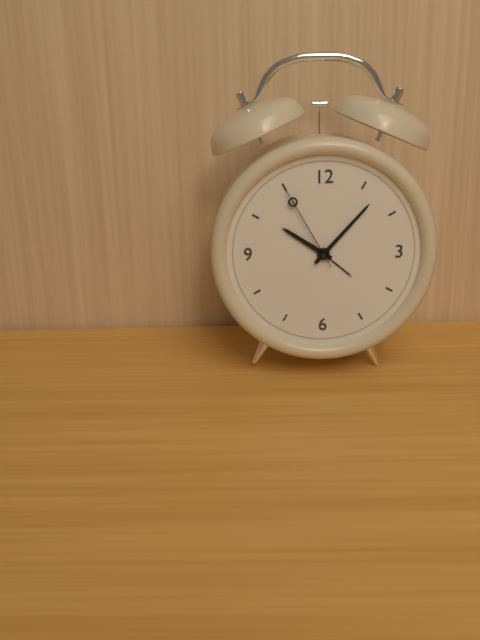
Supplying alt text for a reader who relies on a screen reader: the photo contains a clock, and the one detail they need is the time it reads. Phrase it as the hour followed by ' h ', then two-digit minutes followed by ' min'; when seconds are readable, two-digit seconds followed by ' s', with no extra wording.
10 h 07 min 55 s
